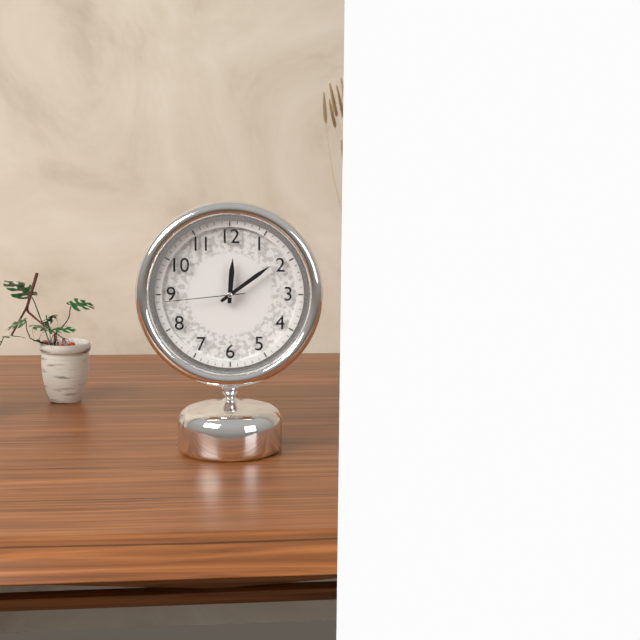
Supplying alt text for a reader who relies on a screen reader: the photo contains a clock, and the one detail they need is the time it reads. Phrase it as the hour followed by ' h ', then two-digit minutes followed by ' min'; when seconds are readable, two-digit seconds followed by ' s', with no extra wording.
12 h 09 min 44 s
